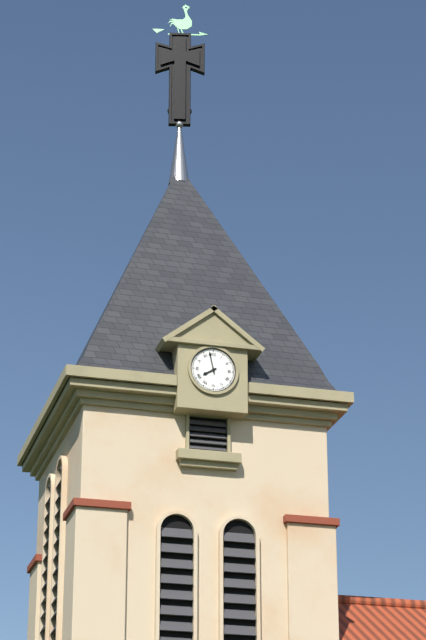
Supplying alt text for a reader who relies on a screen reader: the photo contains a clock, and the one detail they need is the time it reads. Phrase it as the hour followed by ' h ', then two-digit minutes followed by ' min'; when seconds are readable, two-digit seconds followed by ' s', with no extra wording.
7 h 58 min
